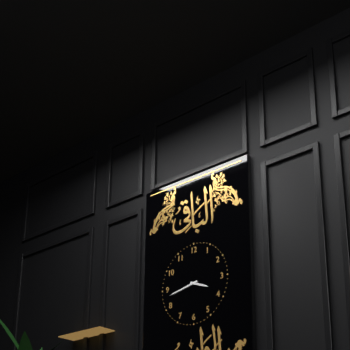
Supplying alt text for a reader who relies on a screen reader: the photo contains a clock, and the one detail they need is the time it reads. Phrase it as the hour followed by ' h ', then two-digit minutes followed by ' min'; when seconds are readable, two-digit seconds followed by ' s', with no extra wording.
3 h 43 min
